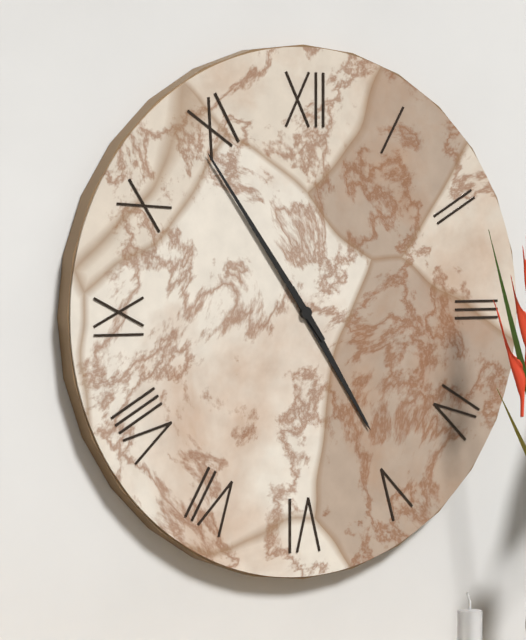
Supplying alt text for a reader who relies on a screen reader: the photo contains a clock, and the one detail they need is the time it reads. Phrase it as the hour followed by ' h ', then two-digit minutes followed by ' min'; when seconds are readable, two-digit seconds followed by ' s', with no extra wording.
4 h 54 min
